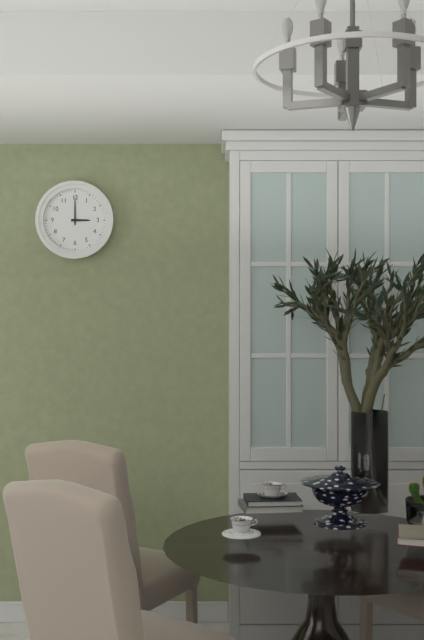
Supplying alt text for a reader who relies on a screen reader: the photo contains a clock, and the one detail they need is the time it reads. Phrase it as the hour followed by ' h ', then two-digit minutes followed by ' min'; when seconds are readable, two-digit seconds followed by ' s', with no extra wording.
3 h 00 min
